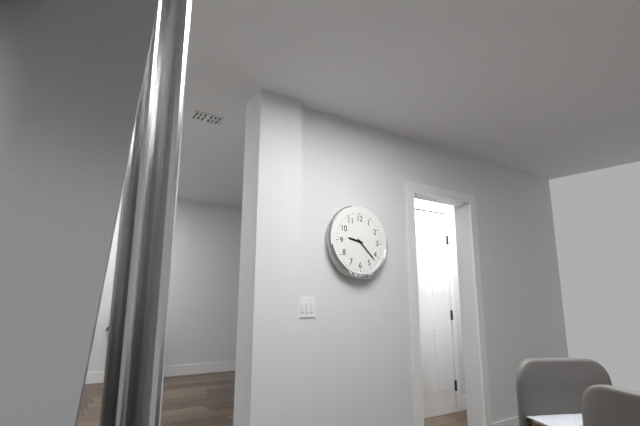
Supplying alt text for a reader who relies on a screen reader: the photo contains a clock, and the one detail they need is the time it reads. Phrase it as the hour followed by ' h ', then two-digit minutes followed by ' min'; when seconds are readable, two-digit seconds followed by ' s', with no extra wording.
9 h 22 min
